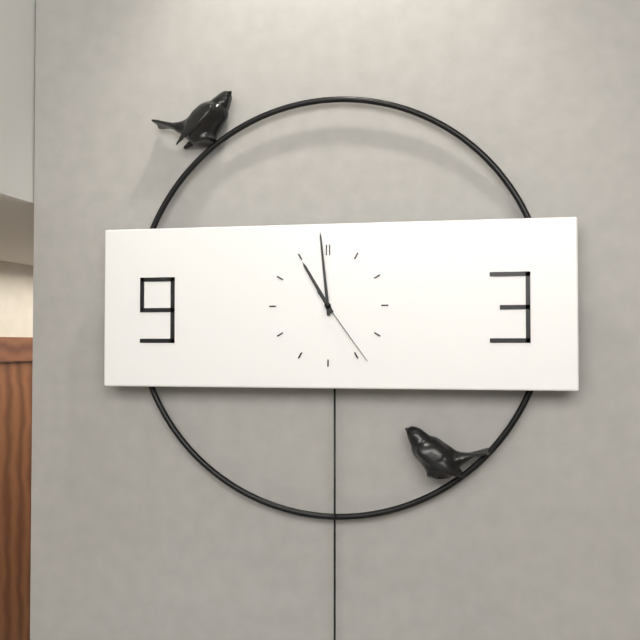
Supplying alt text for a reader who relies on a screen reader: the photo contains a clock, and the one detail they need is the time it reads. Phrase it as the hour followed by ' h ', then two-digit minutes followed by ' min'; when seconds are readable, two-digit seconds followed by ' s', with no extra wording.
10 h 59 min 24 s
